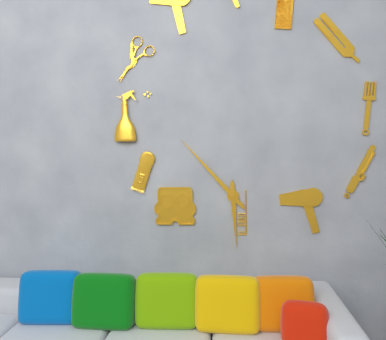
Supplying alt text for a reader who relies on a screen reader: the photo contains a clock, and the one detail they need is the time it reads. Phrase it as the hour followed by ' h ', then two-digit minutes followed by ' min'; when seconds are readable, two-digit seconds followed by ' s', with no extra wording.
5 h 53 min
